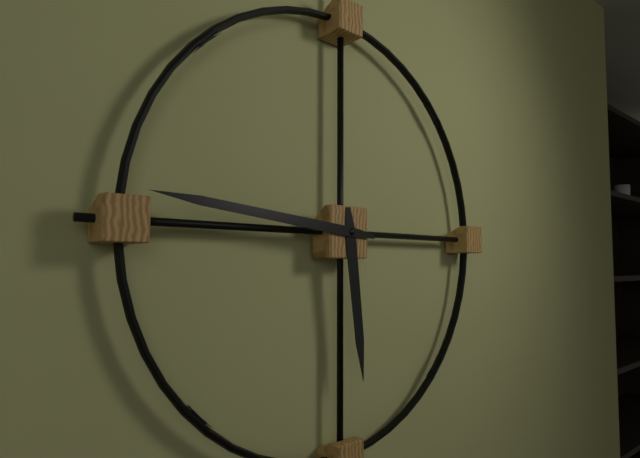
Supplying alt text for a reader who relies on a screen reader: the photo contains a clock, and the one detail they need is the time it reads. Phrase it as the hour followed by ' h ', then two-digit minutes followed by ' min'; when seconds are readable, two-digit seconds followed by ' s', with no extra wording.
5 h 46 min
